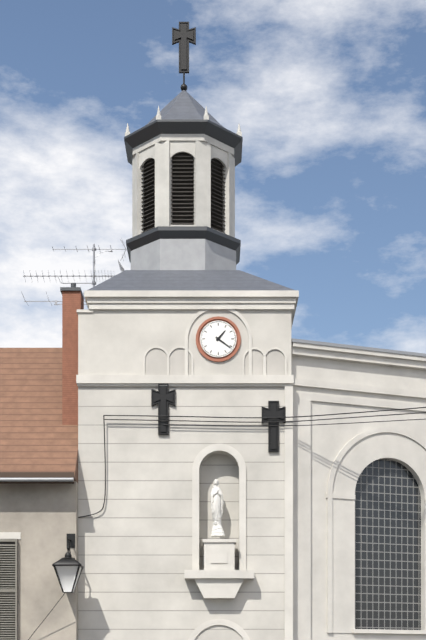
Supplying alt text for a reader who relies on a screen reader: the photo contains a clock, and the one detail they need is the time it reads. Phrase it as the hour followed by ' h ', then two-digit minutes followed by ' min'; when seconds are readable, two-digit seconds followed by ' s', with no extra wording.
1 h 21 min
